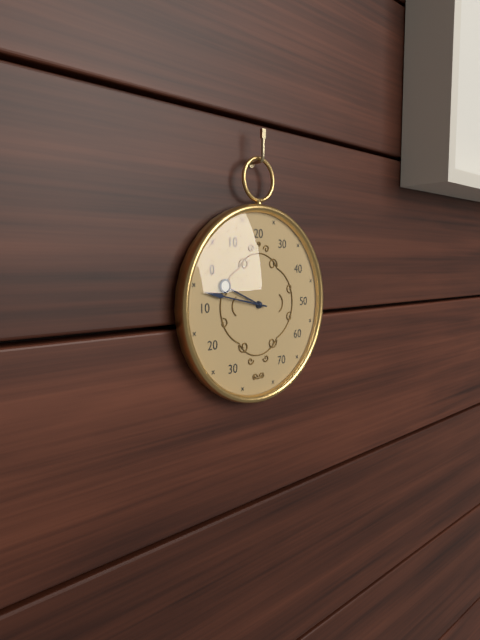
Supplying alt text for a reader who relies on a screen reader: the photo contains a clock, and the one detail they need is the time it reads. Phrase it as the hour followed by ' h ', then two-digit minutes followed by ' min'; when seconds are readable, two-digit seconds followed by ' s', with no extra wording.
9 h 47 min
